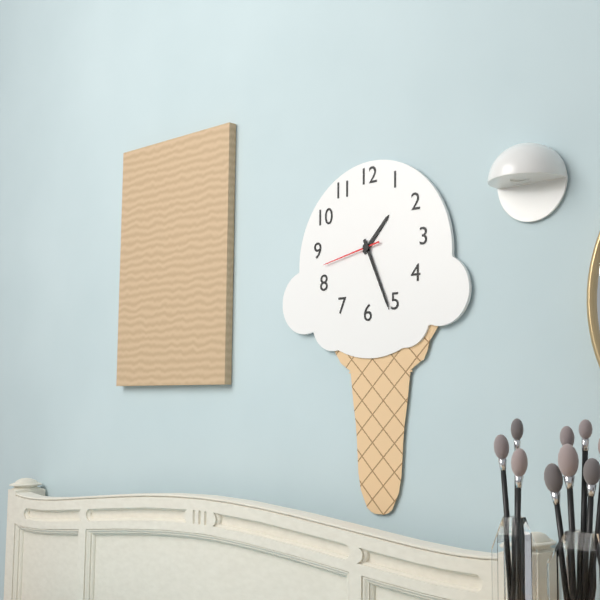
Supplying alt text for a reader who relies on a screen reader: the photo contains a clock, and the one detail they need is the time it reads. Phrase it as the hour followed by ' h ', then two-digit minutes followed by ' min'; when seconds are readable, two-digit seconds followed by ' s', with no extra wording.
1 h 26 min 43 s
